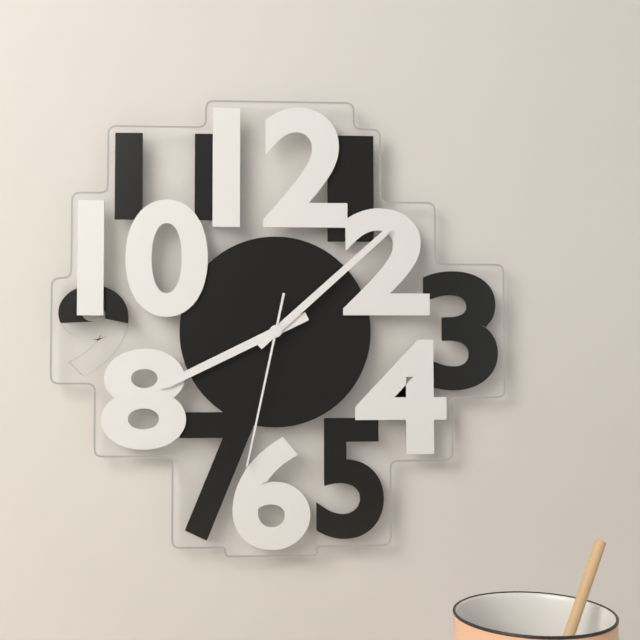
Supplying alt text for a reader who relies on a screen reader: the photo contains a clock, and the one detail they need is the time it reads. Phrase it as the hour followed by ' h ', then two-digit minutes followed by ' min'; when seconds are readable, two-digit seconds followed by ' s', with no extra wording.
8 h 08 min 32 s
